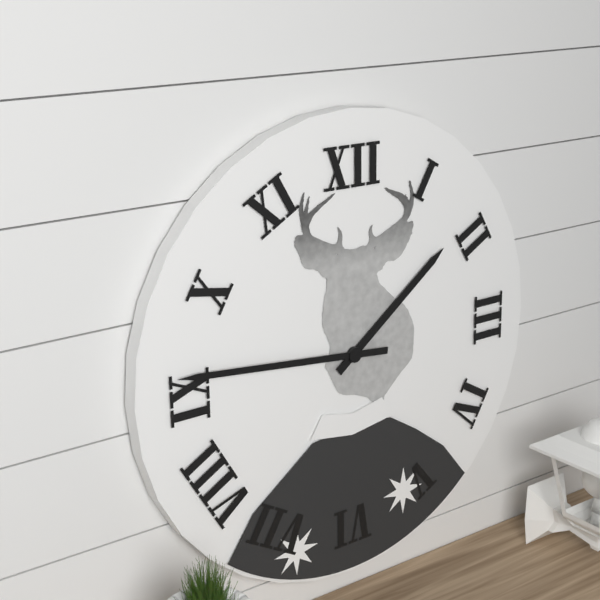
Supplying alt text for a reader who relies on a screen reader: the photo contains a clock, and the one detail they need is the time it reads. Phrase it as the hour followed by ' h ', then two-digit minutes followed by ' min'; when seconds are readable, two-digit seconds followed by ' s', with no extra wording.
1 h 46 min
